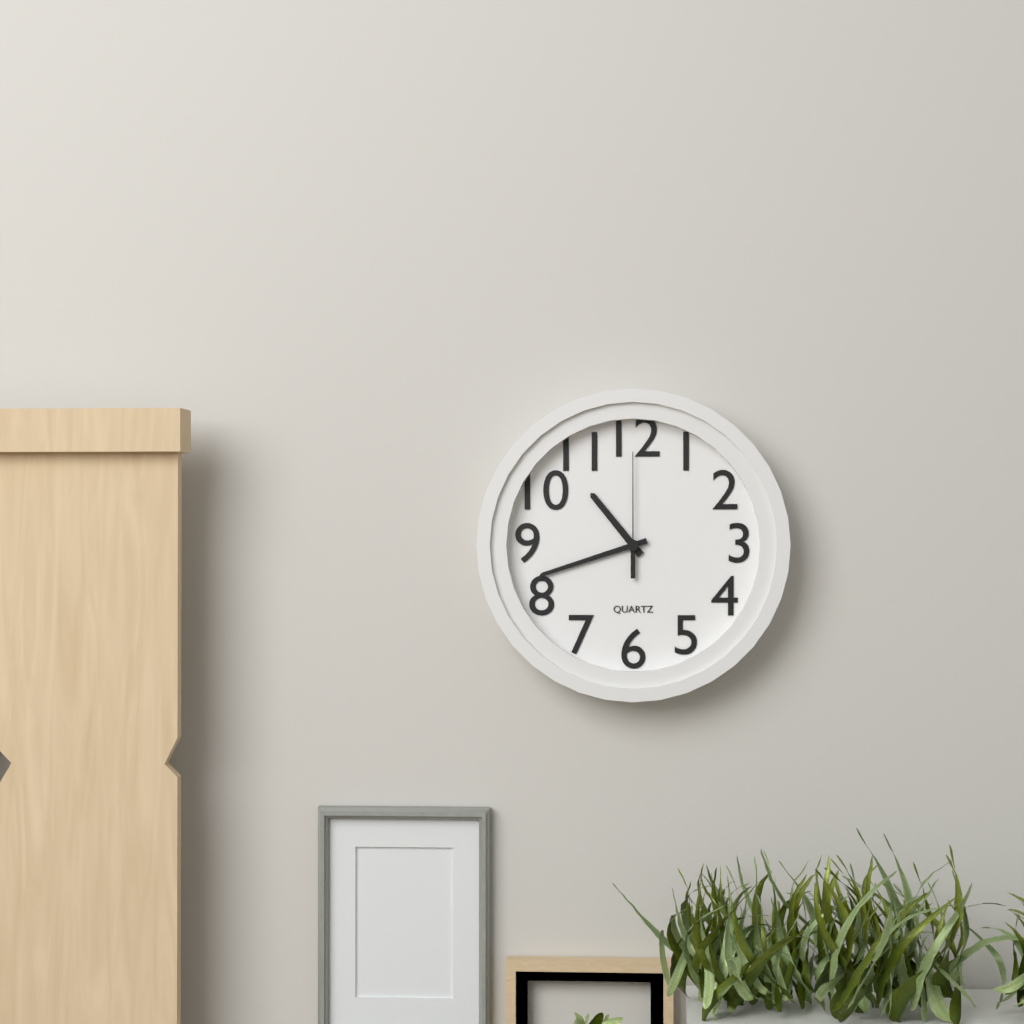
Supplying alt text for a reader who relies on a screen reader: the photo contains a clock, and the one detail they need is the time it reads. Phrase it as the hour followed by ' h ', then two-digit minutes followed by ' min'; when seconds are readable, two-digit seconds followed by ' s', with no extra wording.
10 h 42 min 00 s
